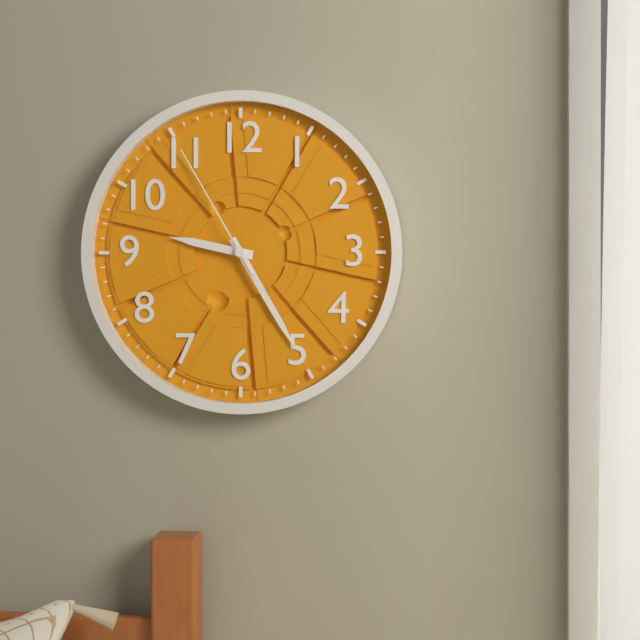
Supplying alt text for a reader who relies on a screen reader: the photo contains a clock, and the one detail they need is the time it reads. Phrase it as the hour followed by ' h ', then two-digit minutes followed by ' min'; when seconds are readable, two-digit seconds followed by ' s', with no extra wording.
9 h 25 min 55 s
